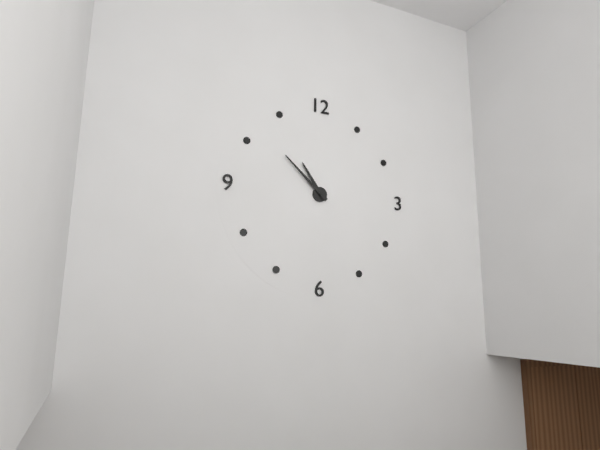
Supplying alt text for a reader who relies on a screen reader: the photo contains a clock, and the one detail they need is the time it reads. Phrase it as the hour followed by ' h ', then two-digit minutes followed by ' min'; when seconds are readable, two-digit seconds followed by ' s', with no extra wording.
10 h 52 min
